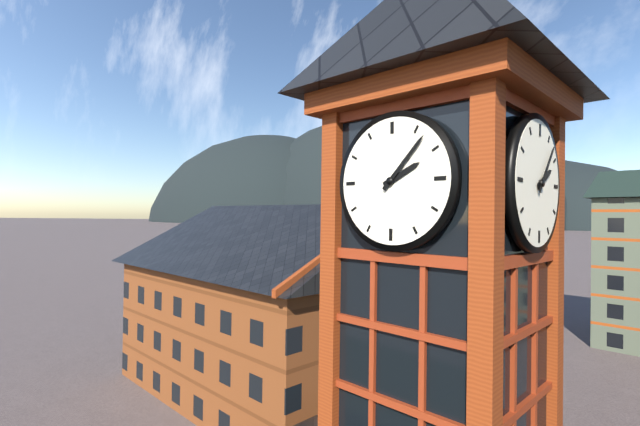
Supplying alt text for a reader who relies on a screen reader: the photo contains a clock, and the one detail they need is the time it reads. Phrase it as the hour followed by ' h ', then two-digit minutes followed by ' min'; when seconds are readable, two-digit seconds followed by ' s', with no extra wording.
2 h 07 min
